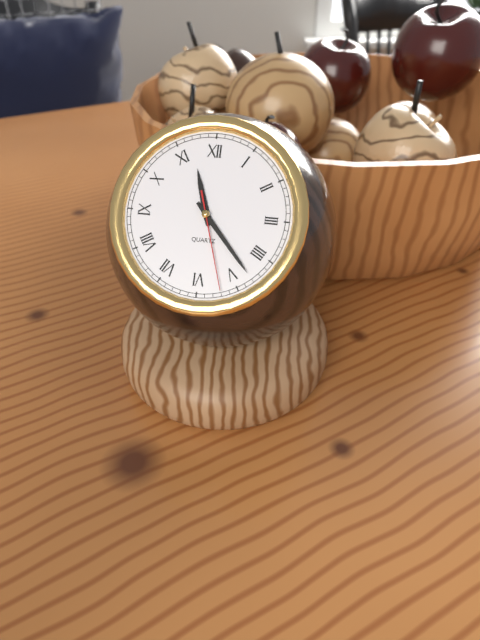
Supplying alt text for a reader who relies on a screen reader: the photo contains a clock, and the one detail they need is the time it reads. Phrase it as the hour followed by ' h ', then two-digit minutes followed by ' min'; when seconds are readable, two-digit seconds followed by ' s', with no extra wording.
11 h 23 min 27 s
